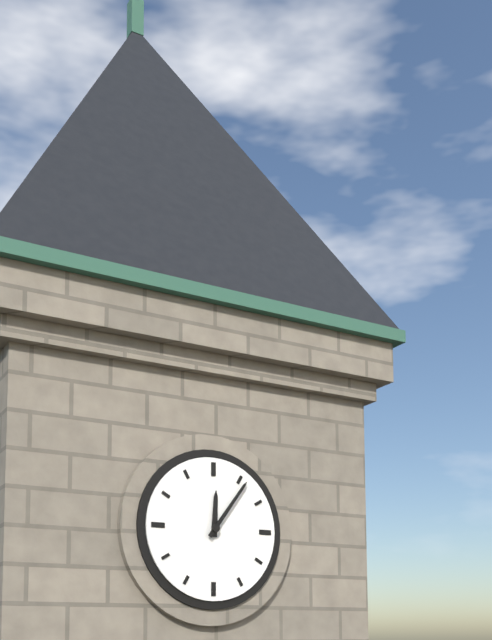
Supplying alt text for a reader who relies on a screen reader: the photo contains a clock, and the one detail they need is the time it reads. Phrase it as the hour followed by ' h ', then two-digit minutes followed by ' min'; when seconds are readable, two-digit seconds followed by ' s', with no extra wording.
12 h 06 min
